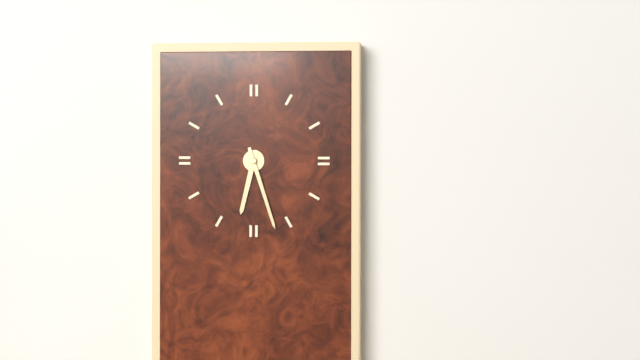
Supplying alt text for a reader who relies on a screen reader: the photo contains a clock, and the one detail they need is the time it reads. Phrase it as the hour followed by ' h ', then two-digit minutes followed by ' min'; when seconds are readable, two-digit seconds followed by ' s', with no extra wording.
6 h 27 min
